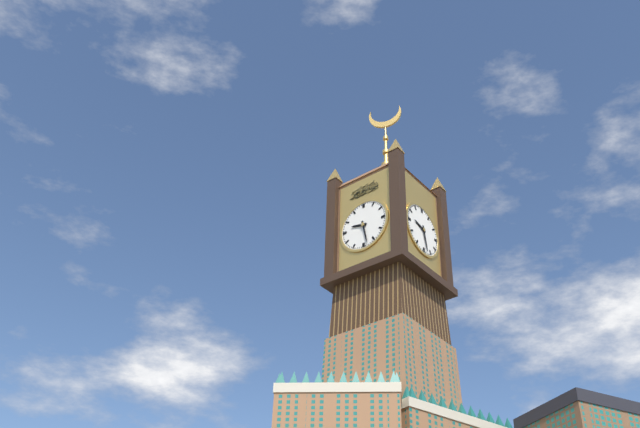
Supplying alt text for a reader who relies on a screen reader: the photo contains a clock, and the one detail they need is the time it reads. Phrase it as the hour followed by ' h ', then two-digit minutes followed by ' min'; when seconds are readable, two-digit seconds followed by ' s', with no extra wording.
9 h 28 min
